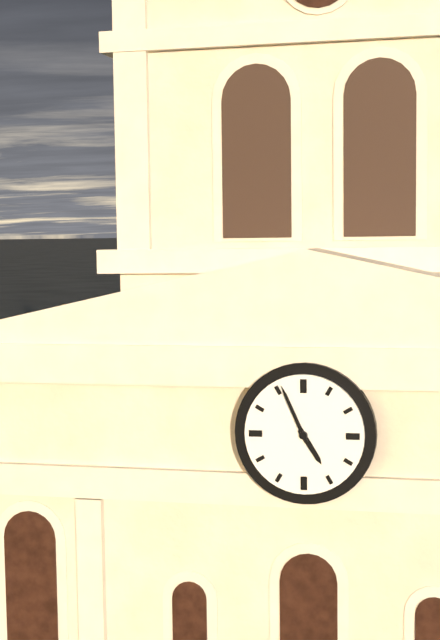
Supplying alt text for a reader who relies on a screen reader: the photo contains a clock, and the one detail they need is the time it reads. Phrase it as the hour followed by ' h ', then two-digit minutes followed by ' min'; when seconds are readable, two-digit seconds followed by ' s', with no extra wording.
4 h 56 min
